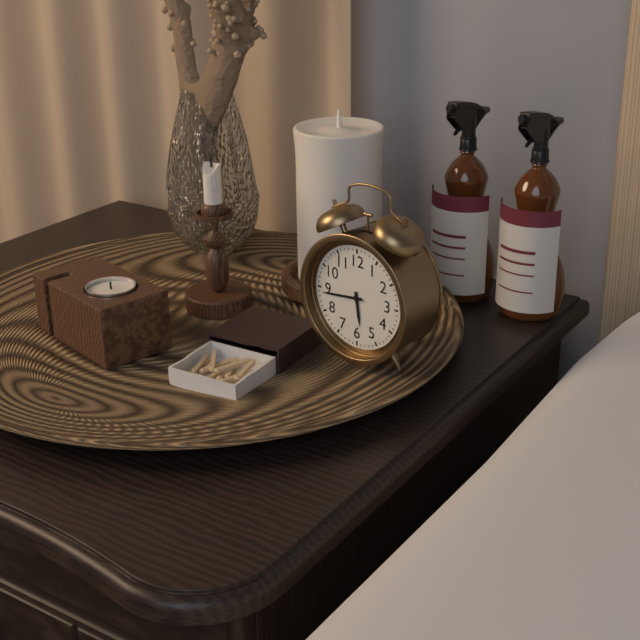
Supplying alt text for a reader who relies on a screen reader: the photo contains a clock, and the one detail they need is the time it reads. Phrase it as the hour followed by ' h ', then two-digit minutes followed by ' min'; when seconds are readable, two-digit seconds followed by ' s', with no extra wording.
5 h 44 min
